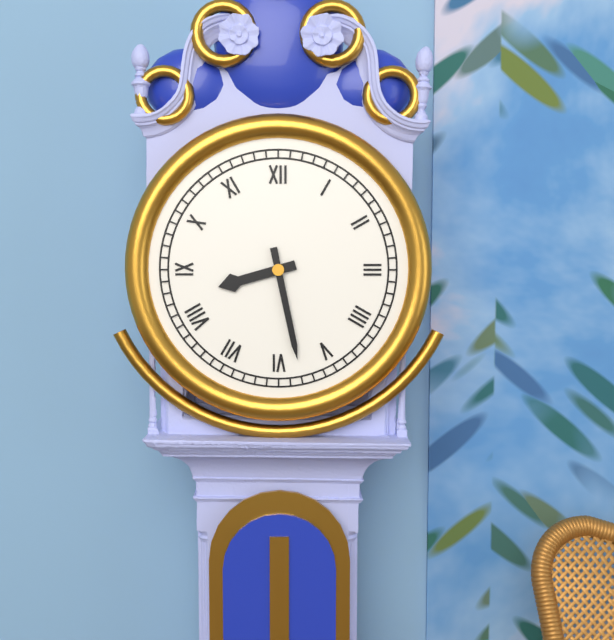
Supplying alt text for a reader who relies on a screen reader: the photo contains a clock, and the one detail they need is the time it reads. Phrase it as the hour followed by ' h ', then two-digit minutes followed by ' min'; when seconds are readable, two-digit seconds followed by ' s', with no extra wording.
8 h 28 min
